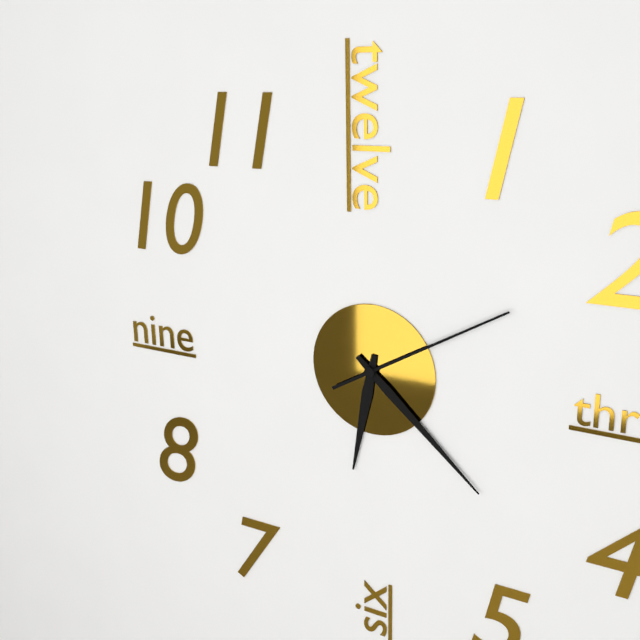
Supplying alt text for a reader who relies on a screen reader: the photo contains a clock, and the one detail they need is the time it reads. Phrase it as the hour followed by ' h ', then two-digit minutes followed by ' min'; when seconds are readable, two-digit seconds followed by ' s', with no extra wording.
6 h 22 min 10 s
